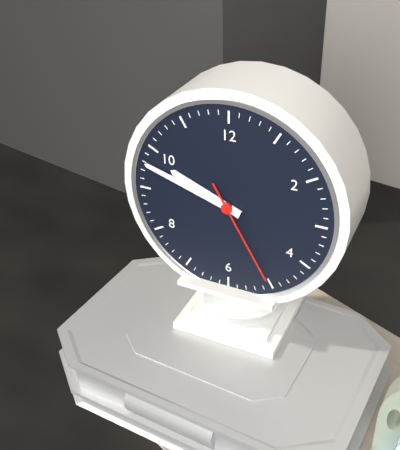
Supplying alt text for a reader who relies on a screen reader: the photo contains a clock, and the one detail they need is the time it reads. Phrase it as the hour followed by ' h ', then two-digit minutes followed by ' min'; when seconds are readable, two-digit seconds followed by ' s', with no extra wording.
9 h 48 min 25 s
